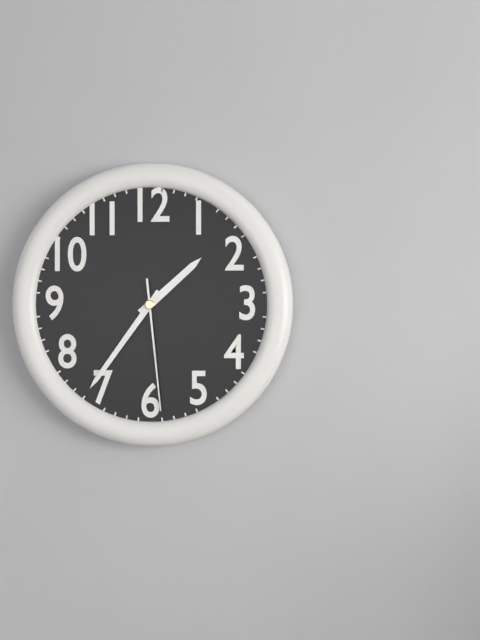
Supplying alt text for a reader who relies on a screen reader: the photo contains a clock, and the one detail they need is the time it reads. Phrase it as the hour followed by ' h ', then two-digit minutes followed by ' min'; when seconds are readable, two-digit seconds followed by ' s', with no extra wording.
1 h 36 min 29 s
